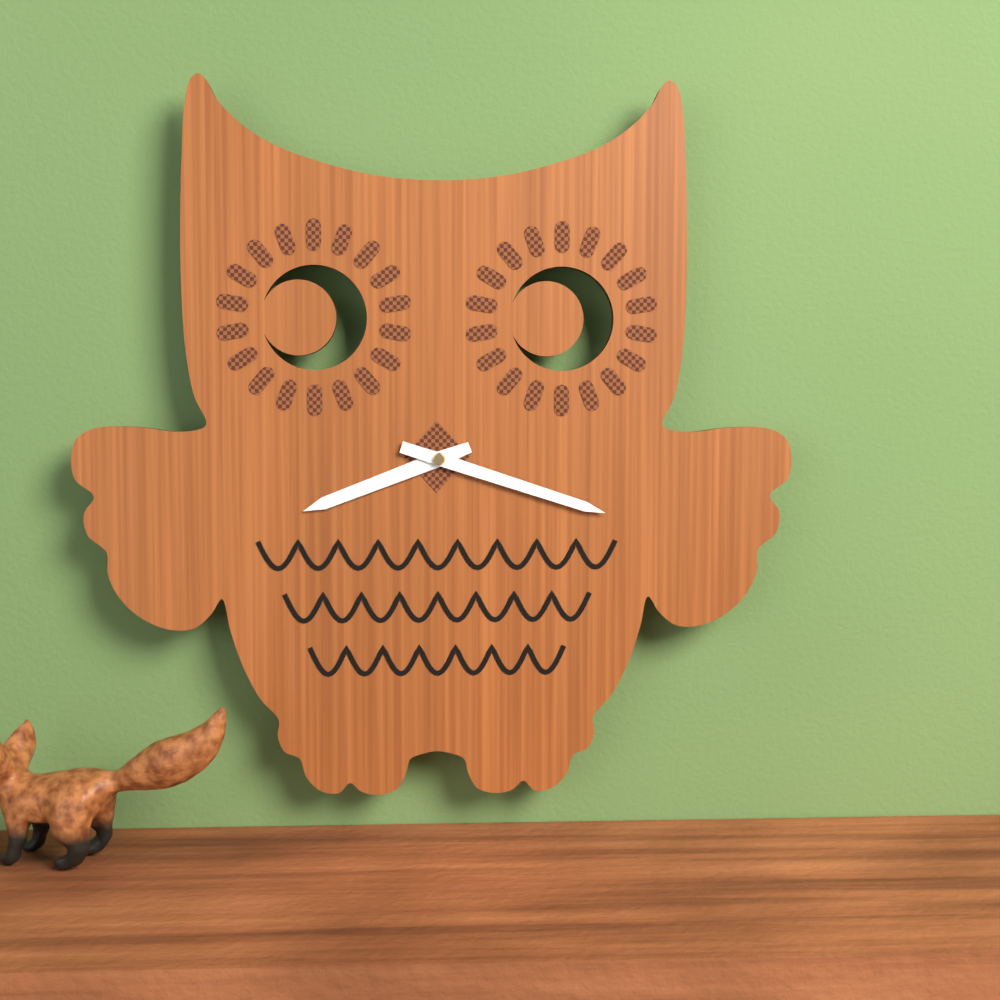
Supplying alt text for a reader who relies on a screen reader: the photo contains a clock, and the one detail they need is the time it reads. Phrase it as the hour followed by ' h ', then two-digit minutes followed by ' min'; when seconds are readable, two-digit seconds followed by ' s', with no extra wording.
8 h 18 min
